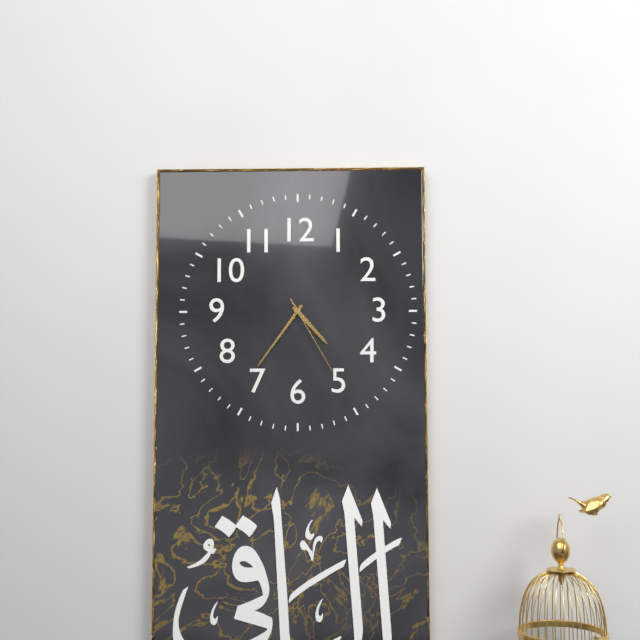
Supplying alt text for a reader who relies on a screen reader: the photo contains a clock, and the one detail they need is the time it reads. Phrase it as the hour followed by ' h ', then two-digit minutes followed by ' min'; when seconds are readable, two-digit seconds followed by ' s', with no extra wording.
4 h 36 min 25 s
